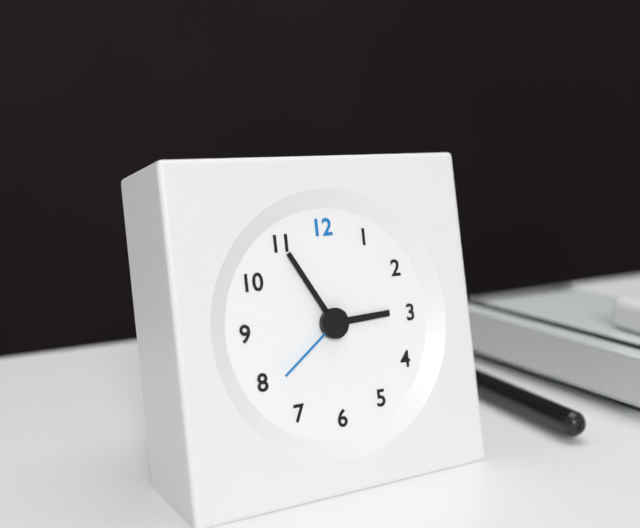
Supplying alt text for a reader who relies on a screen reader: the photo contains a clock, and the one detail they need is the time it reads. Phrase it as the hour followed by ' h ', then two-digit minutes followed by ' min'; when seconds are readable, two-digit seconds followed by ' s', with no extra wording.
2 h 55 min 39 s
